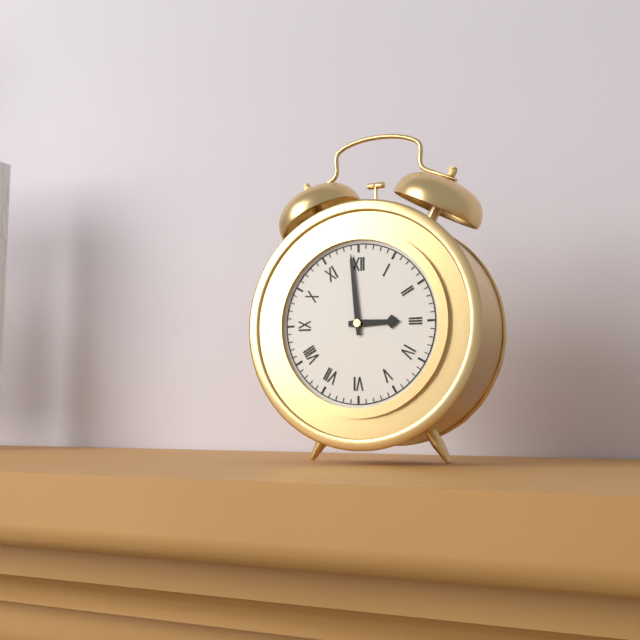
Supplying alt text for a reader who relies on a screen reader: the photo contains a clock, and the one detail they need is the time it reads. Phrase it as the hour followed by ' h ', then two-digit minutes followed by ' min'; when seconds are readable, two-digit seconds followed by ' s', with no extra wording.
2 h 59 min
